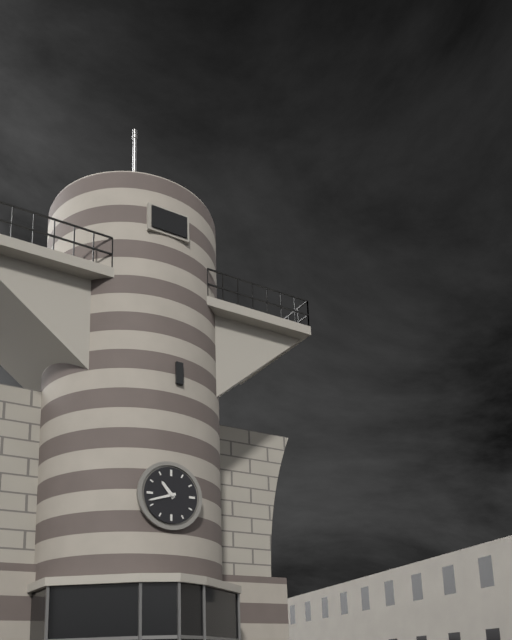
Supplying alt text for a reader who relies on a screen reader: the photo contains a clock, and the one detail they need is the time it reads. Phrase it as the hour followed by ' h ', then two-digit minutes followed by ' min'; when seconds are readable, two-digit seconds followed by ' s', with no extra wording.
10 h 42 min
